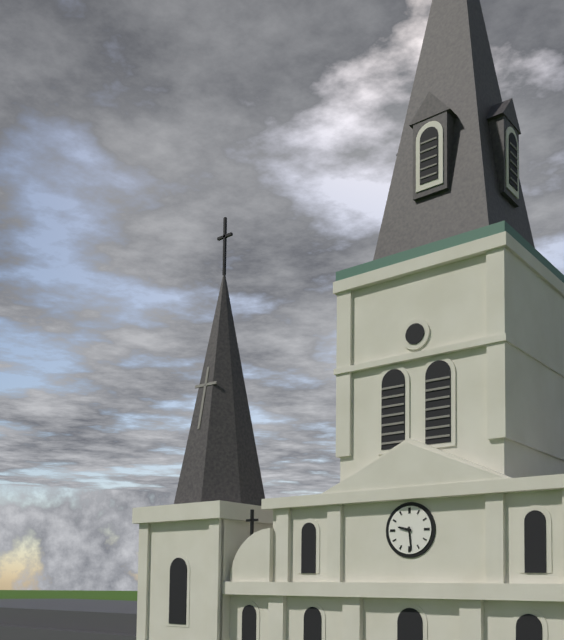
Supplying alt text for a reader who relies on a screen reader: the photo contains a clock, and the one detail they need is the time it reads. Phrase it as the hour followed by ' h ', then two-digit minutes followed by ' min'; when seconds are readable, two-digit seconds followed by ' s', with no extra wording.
9 h 29 min
